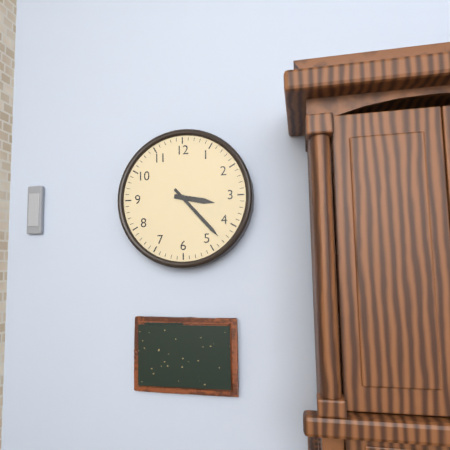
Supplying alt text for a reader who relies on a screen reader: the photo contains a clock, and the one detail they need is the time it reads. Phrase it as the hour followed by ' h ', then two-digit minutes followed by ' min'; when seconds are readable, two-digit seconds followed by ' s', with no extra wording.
3 h 23 min
